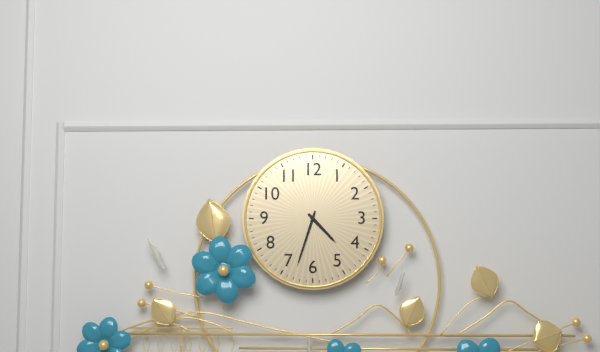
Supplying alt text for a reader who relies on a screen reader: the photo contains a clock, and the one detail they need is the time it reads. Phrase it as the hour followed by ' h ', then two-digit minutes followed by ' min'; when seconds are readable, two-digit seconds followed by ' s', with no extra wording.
4 h 33 min
